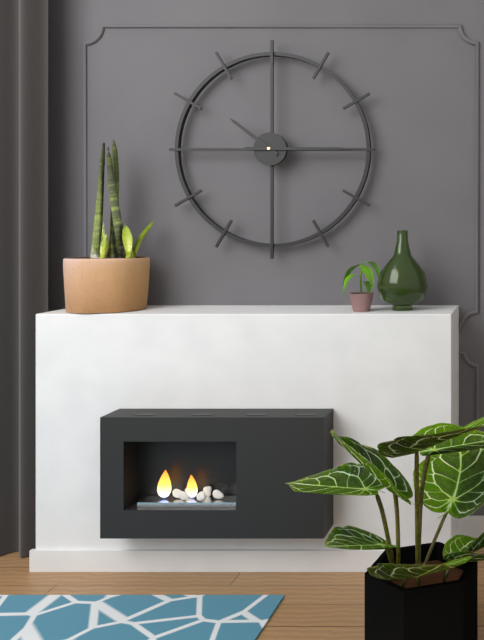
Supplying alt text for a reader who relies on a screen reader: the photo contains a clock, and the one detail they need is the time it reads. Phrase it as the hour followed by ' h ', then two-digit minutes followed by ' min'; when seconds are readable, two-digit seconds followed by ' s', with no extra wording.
10 h 15 min
